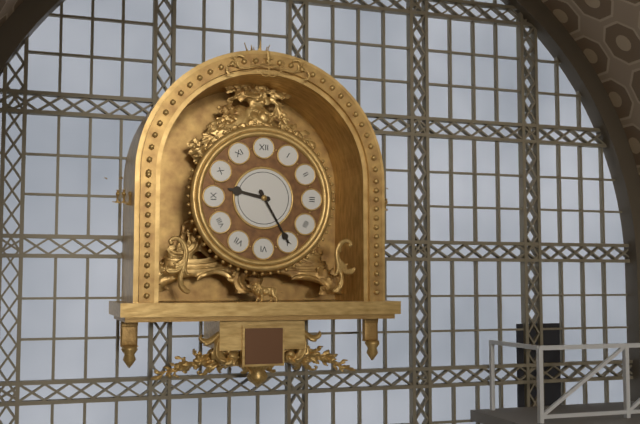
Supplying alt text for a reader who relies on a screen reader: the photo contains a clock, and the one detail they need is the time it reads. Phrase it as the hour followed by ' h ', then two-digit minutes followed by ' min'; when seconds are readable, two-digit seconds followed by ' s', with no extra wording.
9 h 25 min
